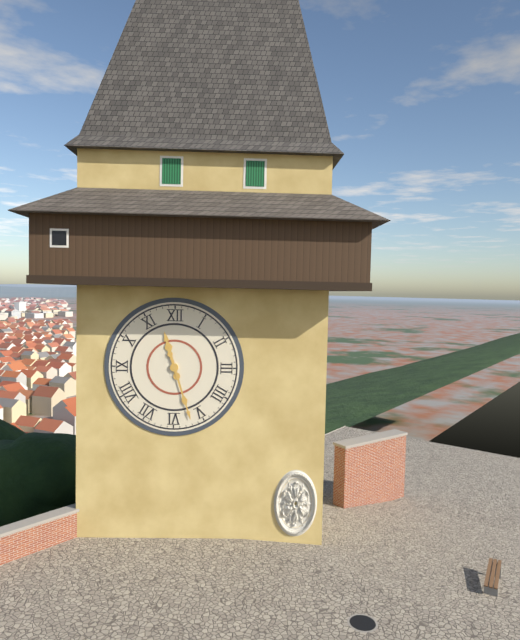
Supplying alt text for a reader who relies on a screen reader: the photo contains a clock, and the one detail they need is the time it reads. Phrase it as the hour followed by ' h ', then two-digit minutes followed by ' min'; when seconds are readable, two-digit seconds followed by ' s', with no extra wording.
11 h 27 min
